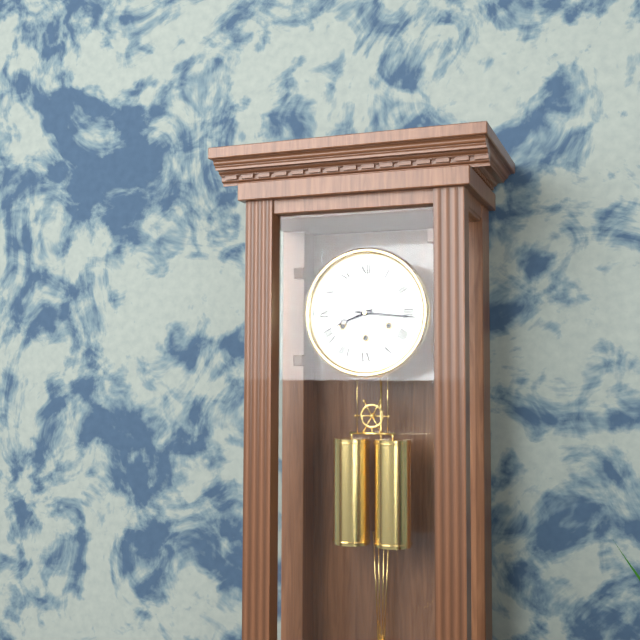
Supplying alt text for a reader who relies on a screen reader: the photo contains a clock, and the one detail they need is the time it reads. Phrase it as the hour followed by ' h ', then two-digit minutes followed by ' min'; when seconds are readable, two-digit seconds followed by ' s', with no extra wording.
8 h 16 min
